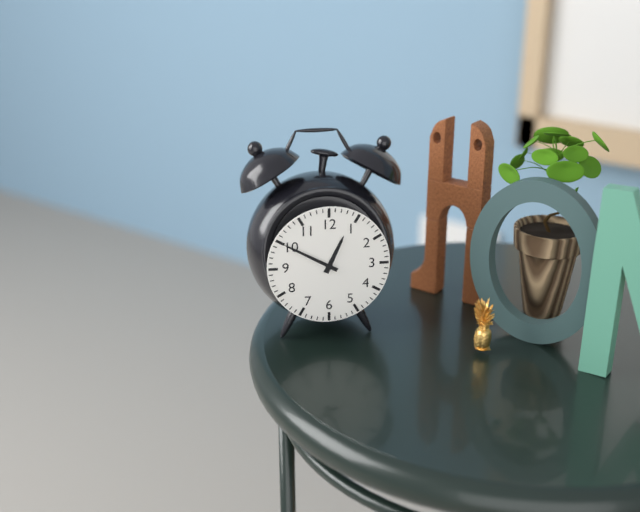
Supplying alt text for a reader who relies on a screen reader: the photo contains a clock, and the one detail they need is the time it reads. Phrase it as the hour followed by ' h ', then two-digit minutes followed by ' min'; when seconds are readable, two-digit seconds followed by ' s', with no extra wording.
12 h 50 min
